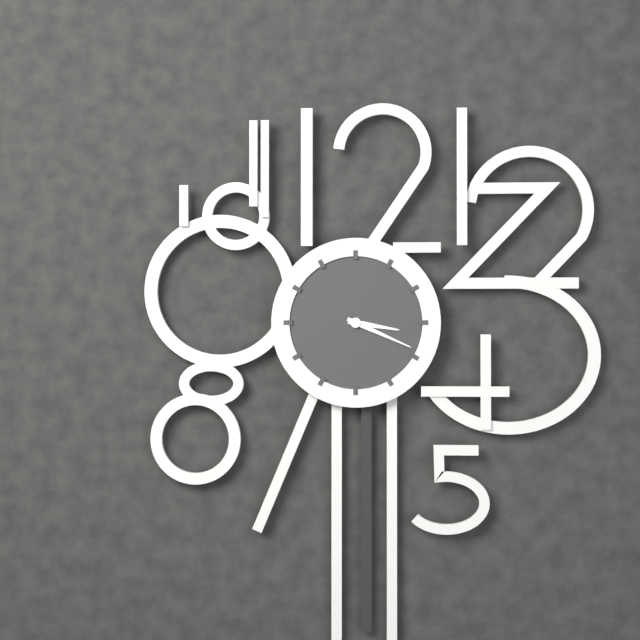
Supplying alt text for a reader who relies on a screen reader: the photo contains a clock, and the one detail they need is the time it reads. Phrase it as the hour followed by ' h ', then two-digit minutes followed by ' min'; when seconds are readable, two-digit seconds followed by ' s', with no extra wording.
3 h 19 min
